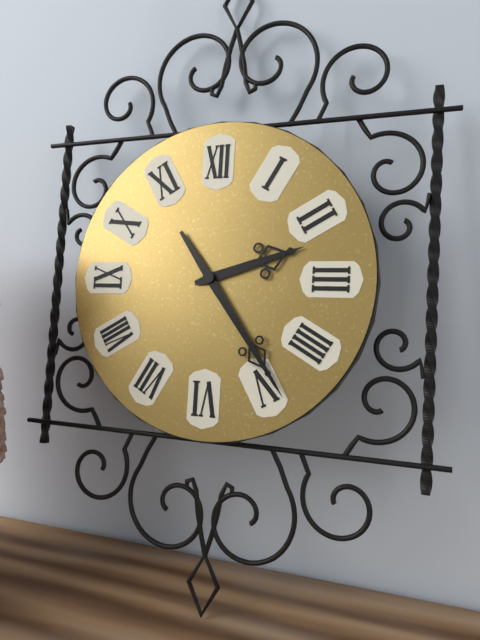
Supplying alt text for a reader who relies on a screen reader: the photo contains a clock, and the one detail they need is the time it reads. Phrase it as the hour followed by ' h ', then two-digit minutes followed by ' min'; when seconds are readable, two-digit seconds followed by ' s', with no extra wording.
2 h 24 min
